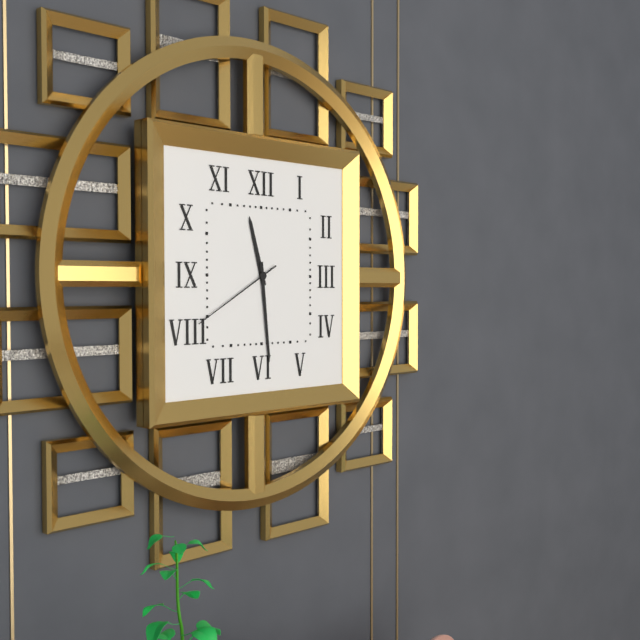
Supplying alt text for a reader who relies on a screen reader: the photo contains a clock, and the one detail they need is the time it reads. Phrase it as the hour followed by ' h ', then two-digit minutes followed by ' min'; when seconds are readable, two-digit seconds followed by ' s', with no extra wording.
11 h 29 min 40 s
